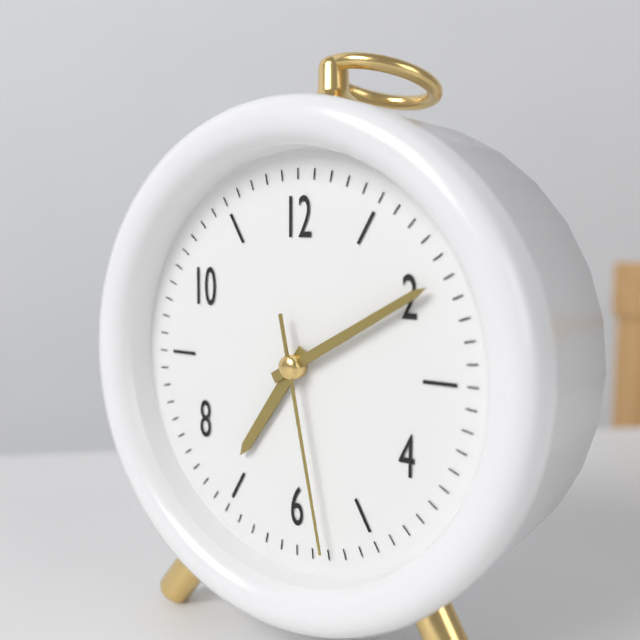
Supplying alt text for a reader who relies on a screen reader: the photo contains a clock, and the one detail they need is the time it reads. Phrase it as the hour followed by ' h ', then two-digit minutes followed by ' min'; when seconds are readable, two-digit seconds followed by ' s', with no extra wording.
7 h 10 min 28 s
